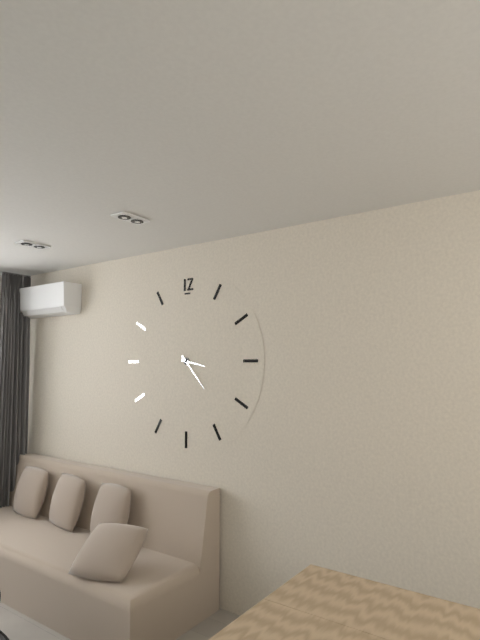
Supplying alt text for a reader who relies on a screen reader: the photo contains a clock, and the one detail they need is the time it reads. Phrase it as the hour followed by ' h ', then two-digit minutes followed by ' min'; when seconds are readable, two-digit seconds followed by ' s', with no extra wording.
3 h 23 min
